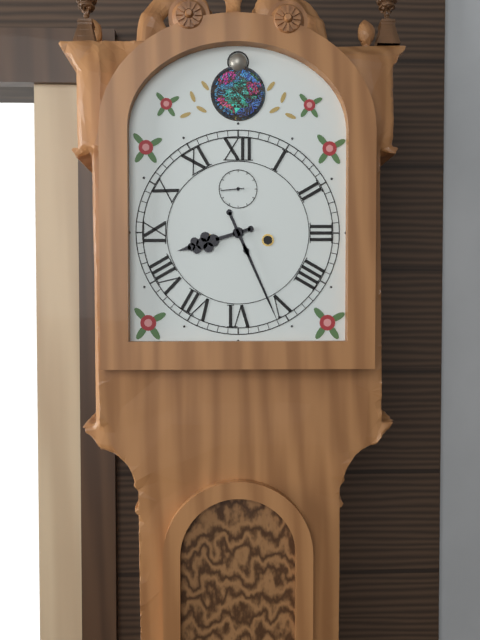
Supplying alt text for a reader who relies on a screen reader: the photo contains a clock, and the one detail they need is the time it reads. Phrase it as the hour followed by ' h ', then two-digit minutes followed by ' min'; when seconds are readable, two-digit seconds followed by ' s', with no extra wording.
8 h 26 min
